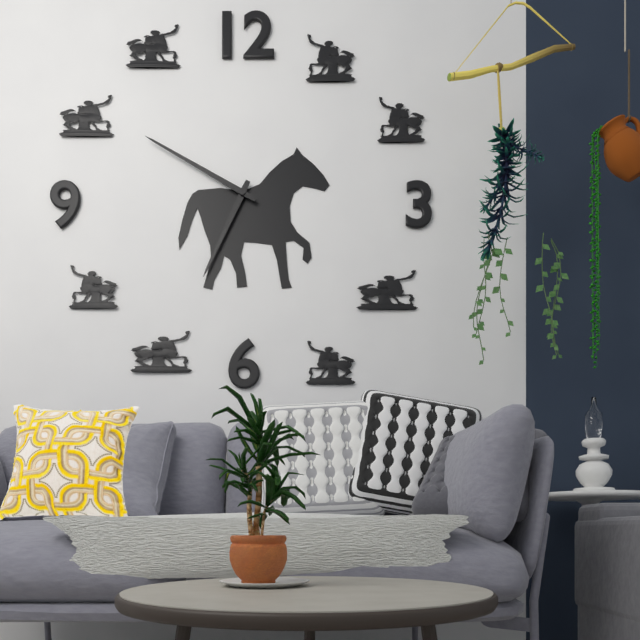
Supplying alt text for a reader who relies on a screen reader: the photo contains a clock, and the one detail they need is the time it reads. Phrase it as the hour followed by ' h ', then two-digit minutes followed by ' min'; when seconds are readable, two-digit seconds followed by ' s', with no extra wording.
6 h 50 min
